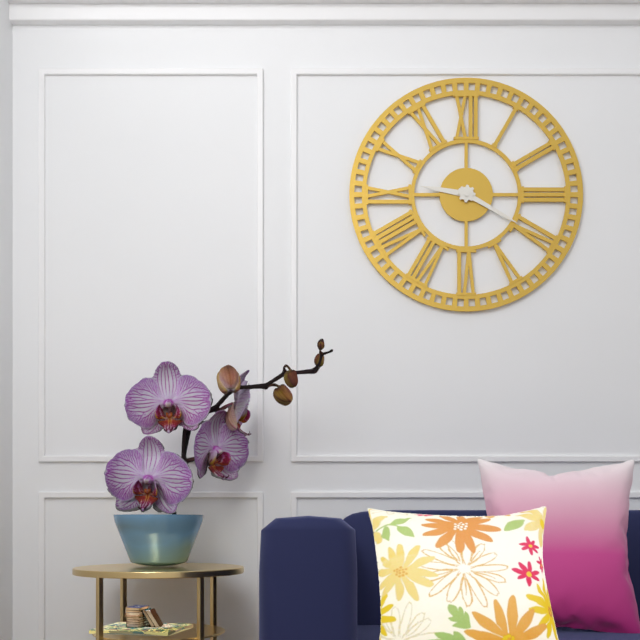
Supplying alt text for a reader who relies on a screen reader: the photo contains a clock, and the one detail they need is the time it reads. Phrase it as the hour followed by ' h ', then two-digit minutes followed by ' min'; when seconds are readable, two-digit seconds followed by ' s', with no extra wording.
9 h 20 min
